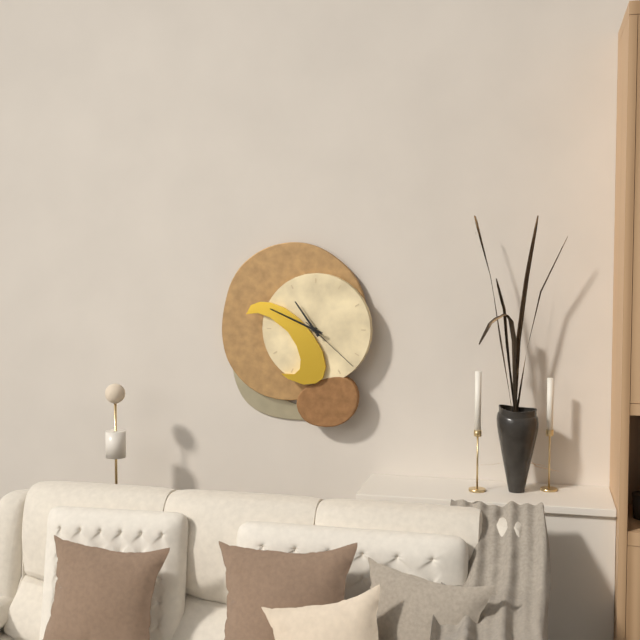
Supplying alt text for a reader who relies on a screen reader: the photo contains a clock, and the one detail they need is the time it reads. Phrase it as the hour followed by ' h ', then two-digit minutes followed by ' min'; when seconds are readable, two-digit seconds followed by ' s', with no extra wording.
10 h 49 min 22 s
